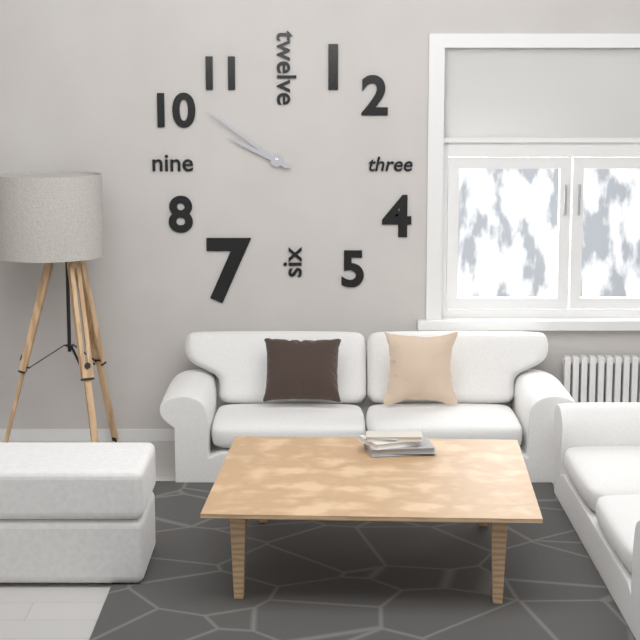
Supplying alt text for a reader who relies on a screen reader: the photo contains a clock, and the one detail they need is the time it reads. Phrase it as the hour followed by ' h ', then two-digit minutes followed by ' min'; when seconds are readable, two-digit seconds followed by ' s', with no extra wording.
9 h 51 min
